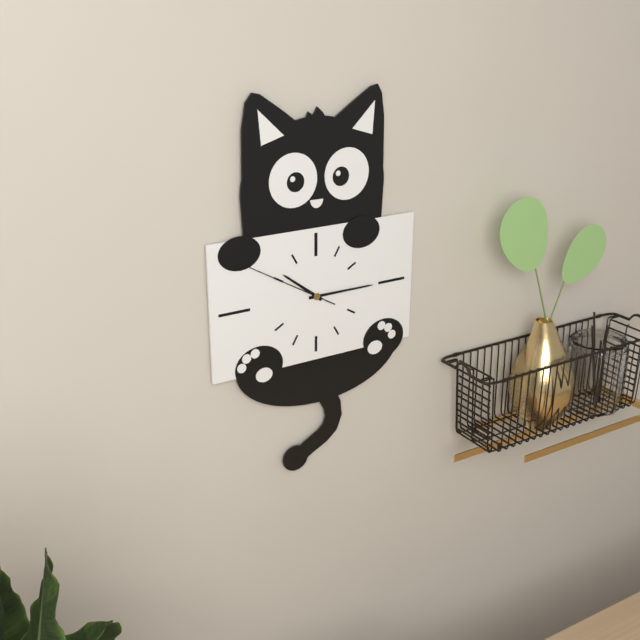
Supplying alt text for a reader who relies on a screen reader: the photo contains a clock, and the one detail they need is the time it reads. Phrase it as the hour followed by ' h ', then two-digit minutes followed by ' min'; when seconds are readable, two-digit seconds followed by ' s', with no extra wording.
10 h 15 min 50 s
